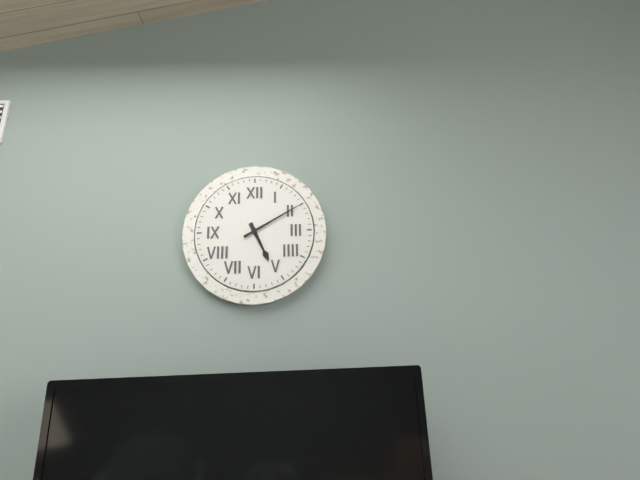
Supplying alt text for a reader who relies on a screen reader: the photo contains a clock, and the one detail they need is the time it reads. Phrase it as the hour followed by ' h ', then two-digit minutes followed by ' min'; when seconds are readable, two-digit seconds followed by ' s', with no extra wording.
5 h 10 min
